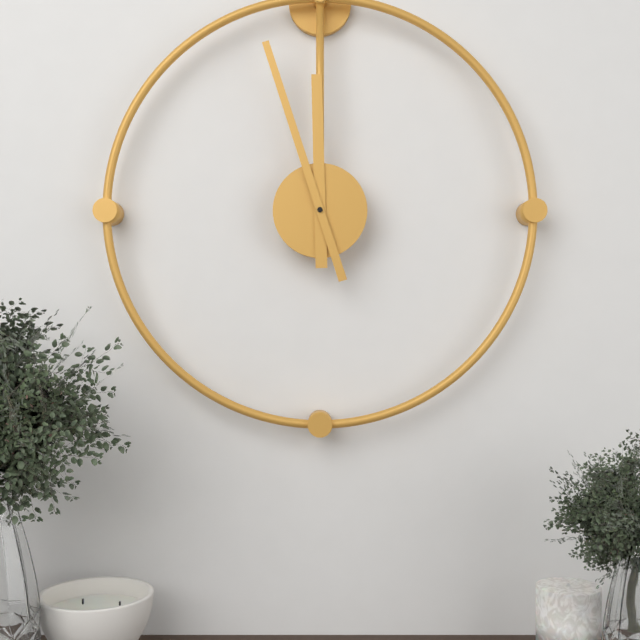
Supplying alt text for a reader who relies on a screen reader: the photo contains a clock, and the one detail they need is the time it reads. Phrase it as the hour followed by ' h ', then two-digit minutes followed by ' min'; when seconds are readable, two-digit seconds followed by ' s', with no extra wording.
11 h 57 min
